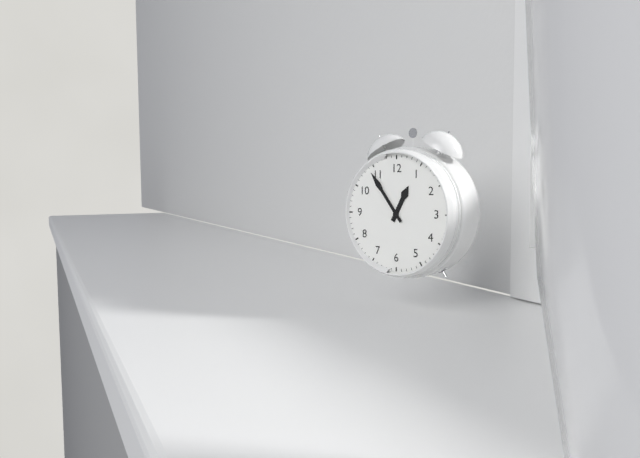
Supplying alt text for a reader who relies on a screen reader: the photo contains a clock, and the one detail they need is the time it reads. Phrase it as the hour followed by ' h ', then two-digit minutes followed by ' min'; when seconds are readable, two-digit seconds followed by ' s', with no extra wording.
12 h 54 min
